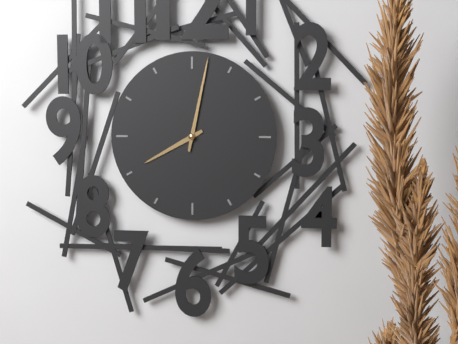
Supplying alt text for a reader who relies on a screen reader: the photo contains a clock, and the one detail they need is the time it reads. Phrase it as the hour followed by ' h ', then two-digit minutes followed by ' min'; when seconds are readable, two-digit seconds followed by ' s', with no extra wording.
8 h 02 min
